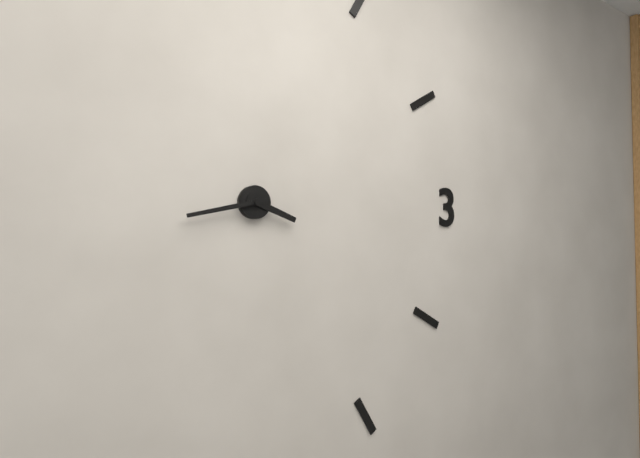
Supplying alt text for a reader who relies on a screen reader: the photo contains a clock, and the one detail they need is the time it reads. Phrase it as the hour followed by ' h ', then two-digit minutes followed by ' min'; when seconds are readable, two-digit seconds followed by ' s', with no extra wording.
3 h 43 min
